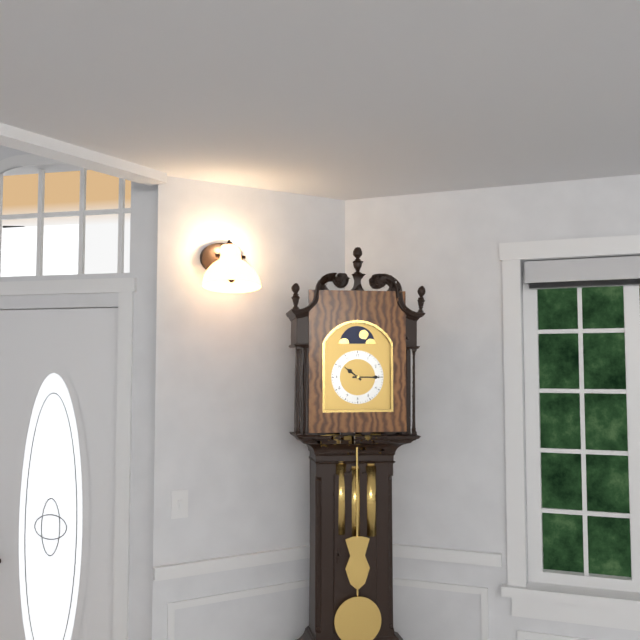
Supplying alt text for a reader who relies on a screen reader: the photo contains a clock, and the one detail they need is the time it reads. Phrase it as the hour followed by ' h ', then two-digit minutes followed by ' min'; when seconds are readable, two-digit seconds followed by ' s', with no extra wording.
10 h 15 min
